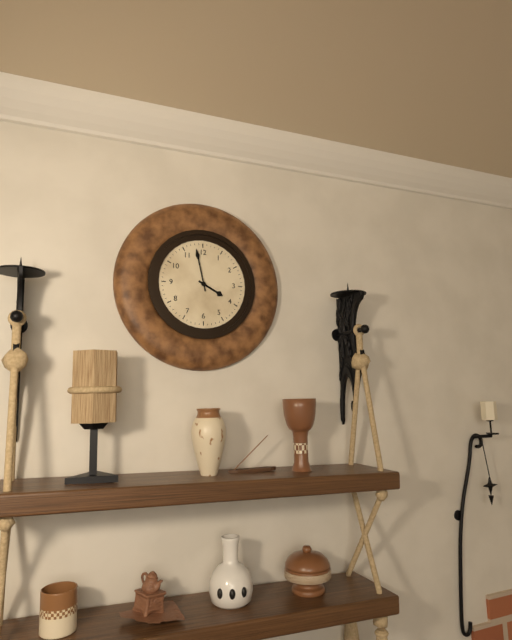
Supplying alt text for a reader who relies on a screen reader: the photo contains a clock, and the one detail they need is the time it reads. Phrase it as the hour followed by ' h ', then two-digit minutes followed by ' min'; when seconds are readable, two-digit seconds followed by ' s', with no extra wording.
3 h 58 min
